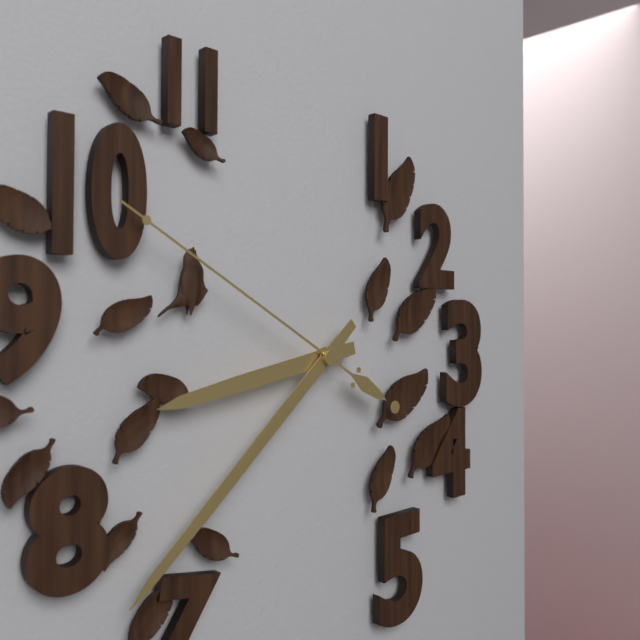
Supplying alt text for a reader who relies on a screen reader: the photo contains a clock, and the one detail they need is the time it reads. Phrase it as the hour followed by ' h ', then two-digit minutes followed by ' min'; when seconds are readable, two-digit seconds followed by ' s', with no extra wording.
8 h 38 min 50 s
